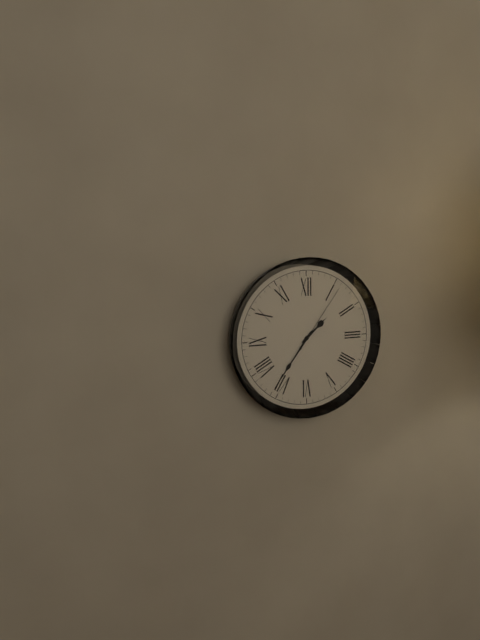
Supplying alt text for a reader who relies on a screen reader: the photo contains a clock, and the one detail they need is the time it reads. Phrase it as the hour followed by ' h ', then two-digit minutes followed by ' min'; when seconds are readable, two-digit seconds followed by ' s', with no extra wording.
1 h 36 min 06 s
